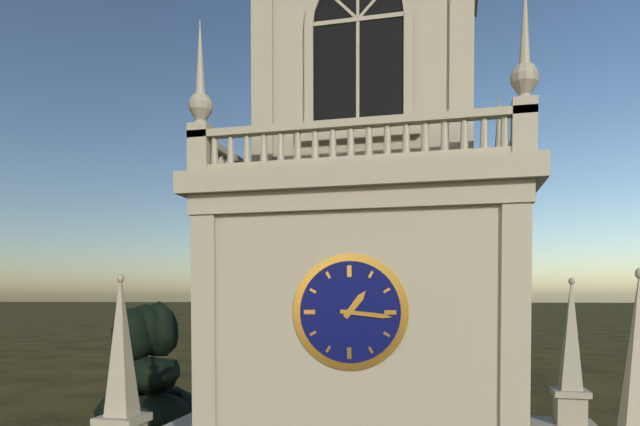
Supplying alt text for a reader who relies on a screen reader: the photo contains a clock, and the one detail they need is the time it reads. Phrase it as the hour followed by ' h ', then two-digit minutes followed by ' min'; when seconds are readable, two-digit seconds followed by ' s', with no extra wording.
1 h 16 min
